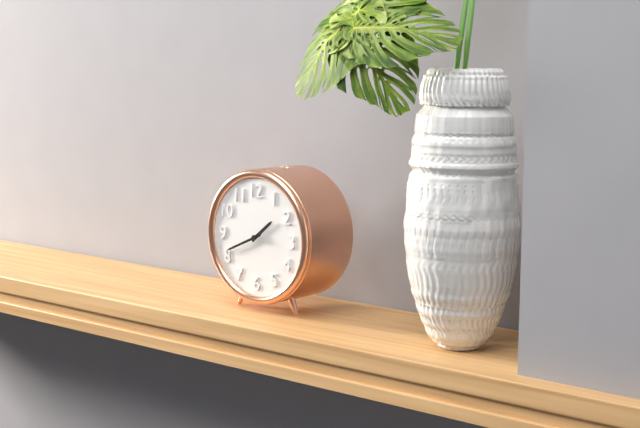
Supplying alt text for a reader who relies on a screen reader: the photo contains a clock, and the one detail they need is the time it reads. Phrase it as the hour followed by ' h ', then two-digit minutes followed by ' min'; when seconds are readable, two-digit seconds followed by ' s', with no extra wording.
1 h 41 min
